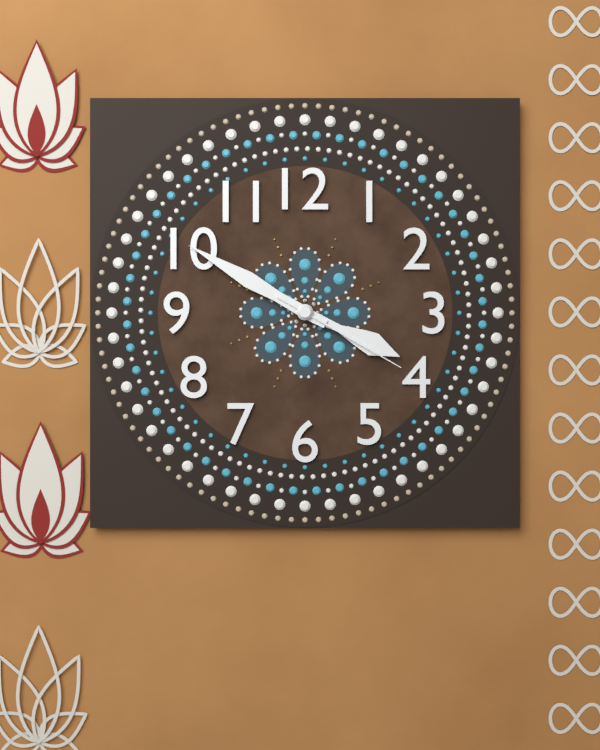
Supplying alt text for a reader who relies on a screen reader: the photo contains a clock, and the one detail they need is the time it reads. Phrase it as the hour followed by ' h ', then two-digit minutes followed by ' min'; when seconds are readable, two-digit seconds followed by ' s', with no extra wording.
3 h 50 min 20 s
